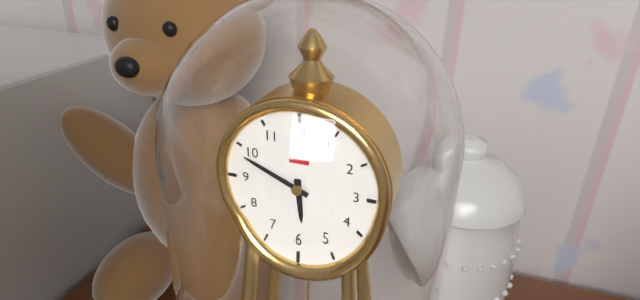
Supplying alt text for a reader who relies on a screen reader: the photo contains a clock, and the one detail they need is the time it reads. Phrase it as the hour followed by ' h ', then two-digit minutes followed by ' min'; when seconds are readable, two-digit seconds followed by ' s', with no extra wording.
5 h 49 min
